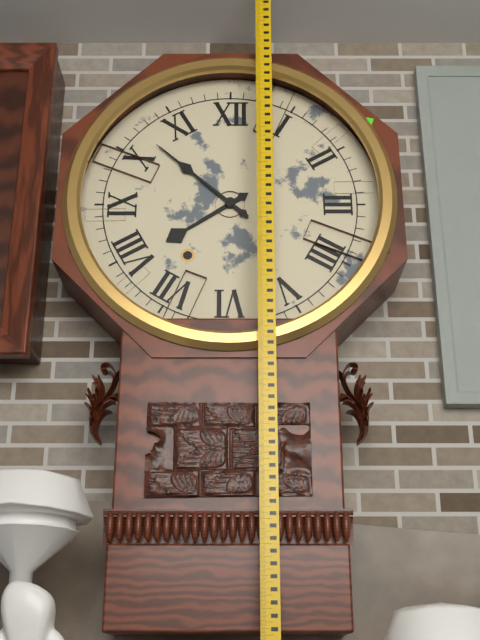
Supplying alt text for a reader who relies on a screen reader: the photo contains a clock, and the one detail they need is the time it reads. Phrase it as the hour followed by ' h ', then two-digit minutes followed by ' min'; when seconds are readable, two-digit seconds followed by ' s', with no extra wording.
7 h 52 min
